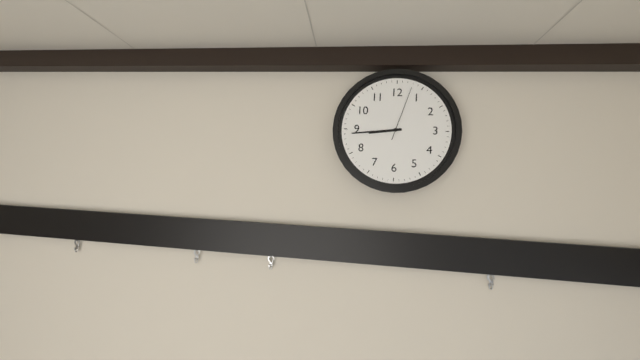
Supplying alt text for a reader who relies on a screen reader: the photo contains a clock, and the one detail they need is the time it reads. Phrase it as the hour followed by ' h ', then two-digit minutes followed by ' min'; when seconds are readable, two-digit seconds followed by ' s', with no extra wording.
8 h 44 min 03 s
